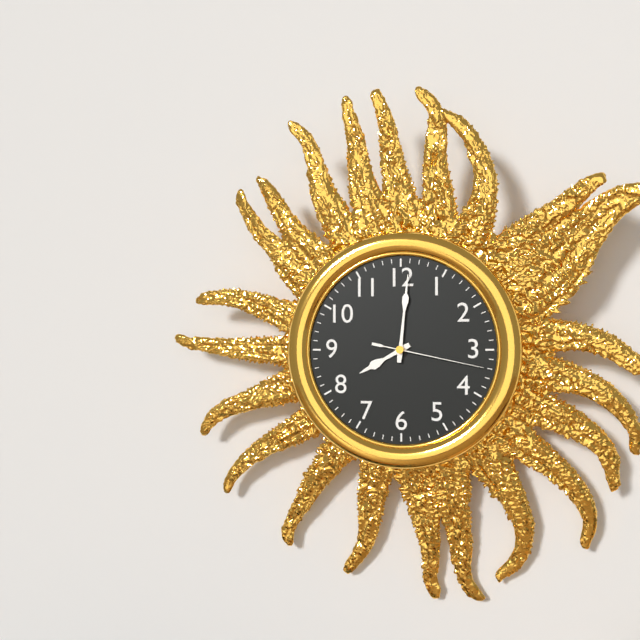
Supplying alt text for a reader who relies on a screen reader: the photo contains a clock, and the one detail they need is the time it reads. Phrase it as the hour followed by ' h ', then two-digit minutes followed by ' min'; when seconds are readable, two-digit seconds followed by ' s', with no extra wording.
8 h 01 min 17 s
